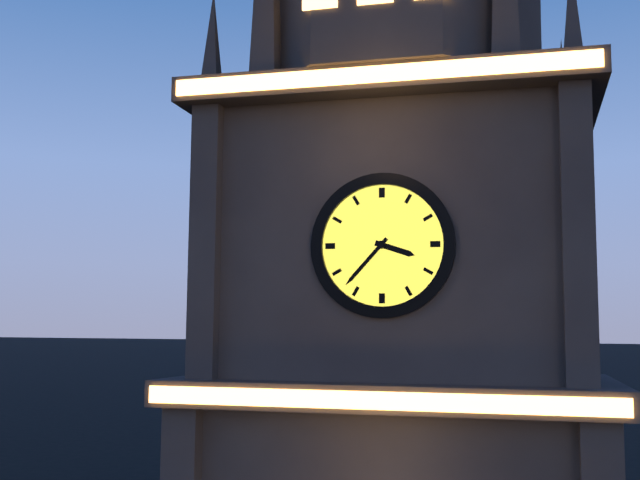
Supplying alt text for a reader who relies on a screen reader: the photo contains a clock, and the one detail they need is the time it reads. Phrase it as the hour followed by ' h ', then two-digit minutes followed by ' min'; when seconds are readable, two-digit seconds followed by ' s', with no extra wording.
3 h 37 min
